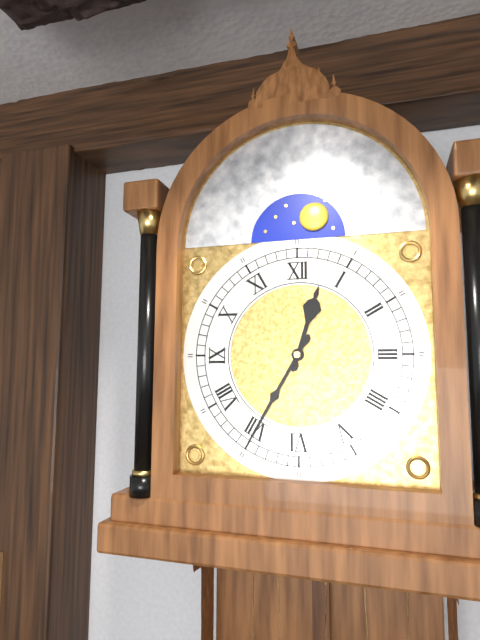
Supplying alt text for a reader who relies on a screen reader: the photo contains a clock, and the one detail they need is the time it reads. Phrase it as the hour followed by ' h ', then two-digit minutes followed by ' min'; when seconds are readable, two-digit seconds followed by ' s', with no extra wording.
12 h 35 min
